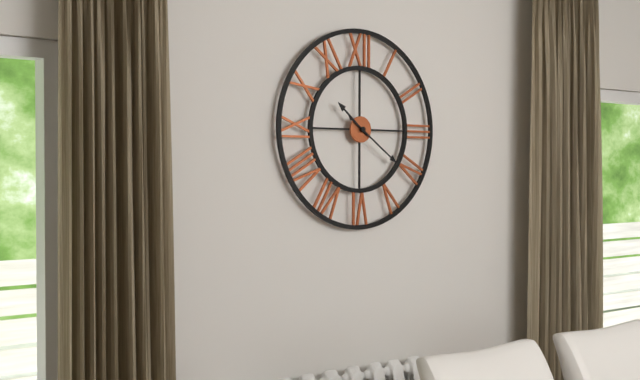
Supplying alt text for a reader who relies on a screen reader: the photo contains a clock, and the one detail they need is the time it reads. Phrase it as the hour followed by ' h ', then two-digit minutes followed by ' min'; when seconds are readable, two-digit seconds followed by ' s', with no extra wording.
10 h 21 min
